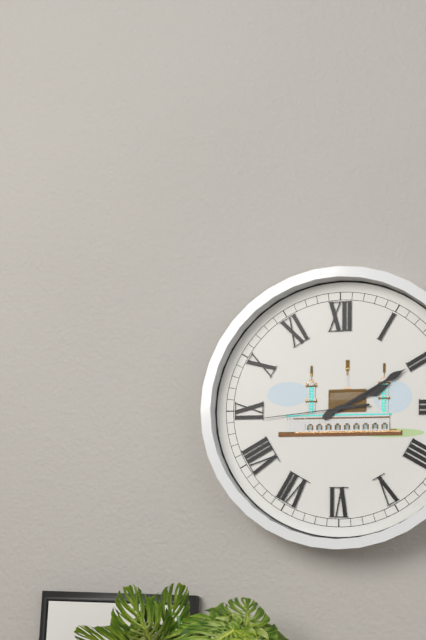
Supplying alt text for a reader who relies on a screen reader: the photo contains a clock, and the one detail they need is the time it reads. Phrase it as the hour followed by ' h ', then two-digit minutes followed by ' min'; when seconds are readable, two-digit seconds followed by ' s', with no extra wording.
2 h 10 min 44 s
